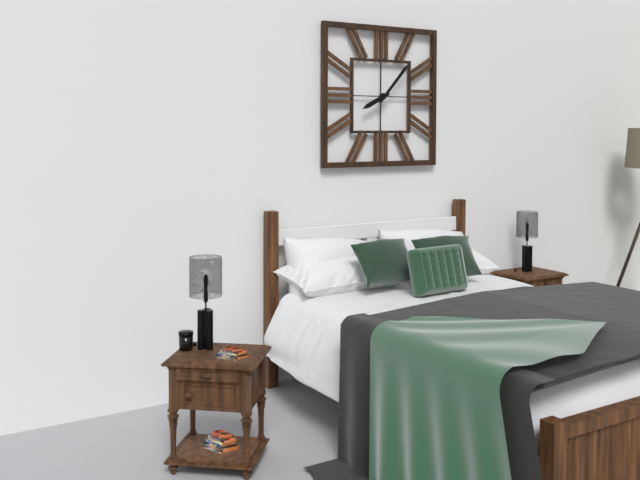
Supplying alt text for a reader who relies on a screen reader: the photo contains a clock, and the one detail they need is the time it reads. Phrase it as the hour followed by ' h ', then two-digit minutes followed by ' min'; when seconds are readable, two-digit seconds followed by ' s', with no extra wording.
8 h 07 min
